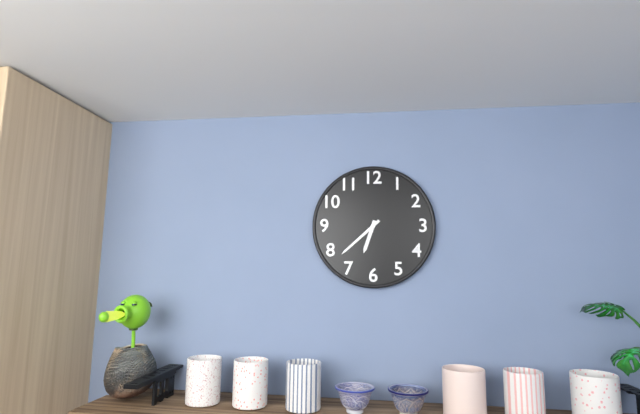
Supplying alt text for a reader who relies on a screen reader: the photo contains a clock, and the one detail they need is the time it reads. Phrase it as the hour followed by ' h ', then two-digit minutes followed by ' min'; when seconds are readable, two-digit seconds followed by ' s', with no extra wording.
6 h 38 min
